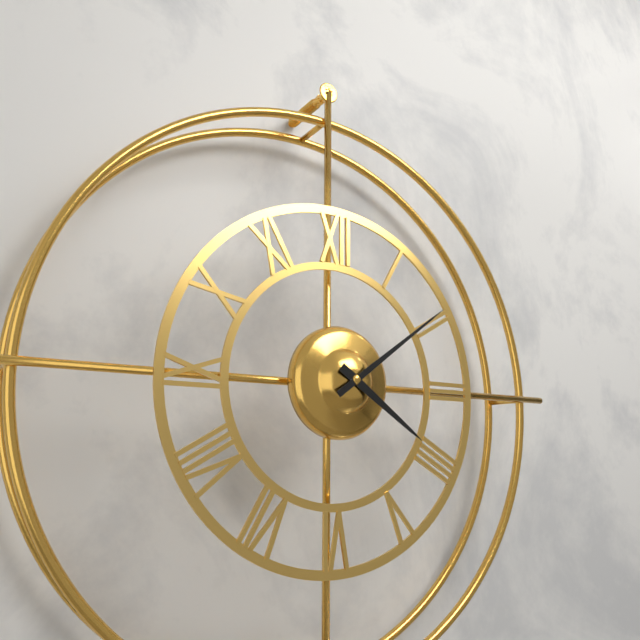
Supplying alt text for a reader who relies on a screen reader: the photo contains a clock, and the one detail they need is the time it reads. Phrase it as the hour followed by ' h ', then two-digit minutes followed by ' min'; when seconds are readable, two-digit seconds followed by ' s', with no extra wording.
4 h 09 min
